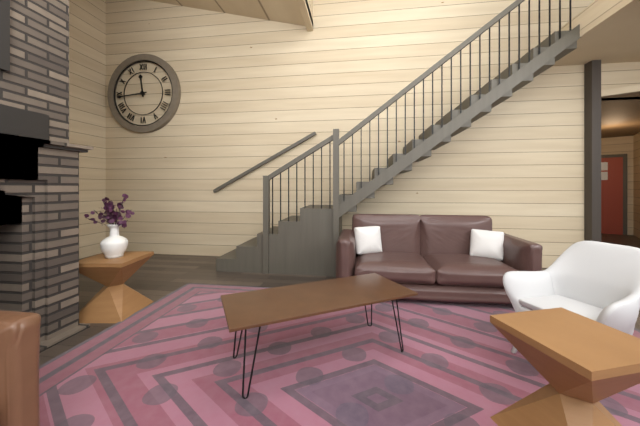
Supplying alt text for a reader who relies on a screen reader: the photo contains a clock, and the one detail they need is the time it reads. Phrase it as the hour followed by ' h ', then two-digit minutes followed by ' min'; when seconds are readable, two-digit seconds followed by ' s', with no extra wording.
11 h 44 min
